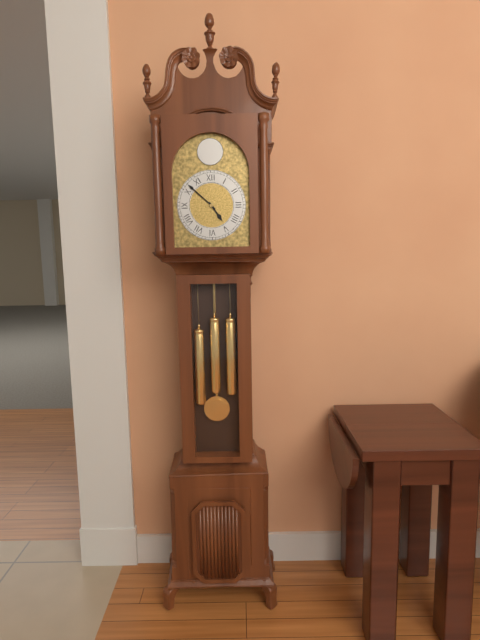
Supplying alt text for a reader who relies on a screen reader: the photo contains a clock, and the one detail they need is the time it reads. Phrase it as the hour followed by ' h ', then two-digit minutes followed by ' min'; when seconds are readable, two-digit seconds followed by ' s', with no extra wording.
4 h 52 min
